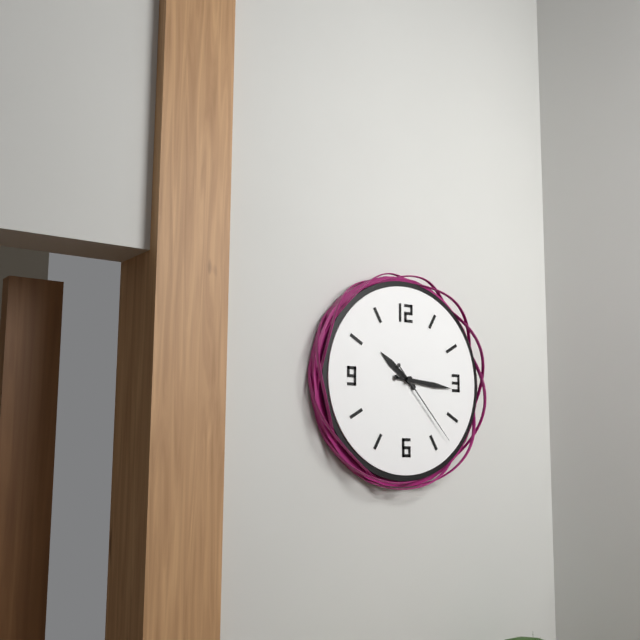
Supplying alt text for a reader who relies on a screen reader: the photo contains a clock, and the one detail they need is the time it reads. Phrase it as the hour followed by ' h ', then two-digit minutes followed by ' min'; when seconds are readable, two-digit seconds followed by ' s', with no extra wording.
10 h 16 min 23 s
